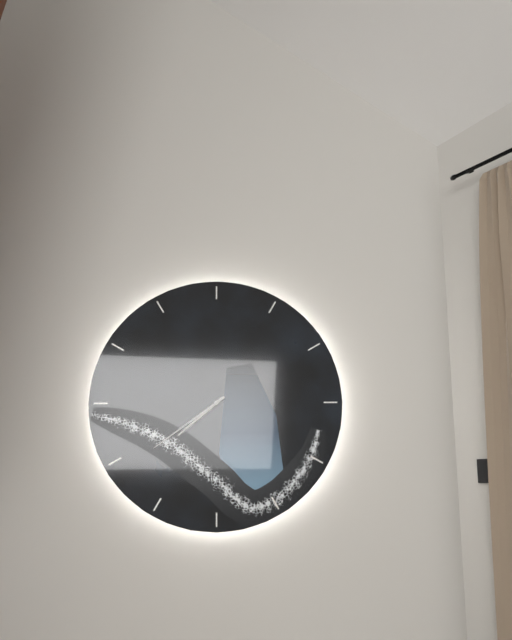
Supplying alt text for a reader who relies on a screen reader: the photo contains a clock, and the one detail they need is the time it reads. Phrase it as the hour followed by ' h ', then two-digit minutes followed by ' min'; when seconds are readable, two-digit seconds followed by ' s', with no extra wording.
7 h 39 min
